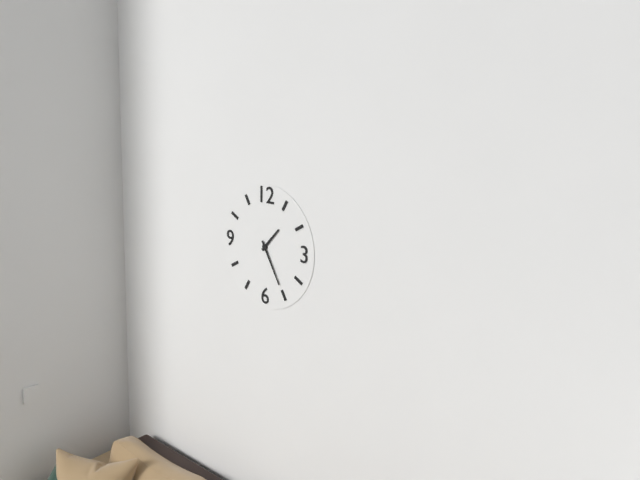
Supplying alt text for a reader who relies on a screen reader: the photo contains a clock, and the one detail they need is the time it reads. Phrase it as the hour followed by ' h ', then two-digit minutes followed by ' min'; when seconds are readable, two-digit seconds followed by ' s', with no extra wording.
1 h 25 min
